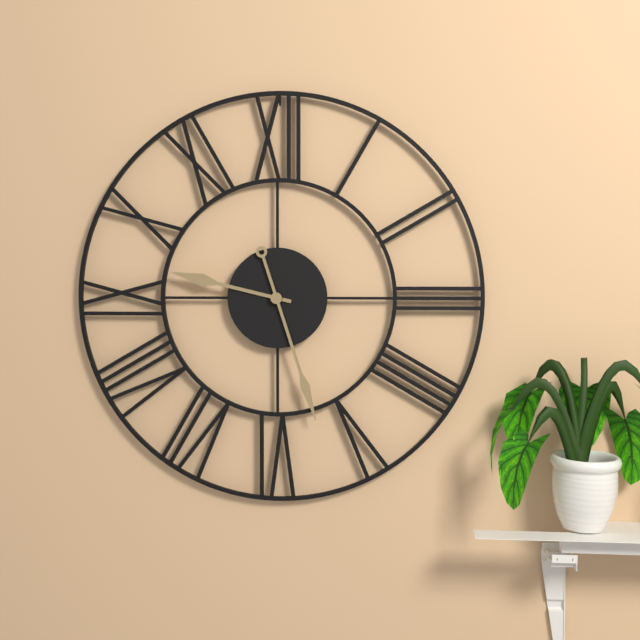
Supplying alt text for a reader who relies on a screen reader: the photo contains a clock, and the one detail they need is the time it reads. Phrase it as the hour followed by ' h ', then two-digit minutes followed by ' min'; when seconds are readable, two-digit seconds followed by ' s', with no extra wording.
9 h 27 min
